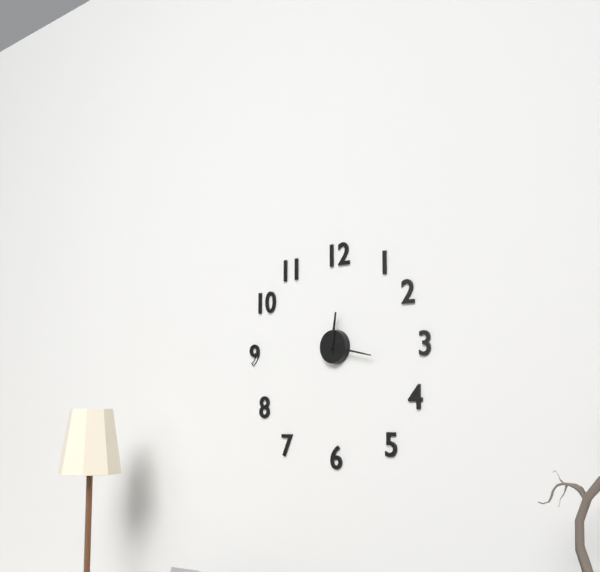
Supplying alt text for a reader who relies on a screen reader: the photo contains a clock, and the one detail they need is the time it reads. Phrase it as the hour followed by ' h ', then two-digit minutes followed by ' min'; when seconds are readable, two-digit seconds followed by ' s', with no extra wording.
12 h 17 min
